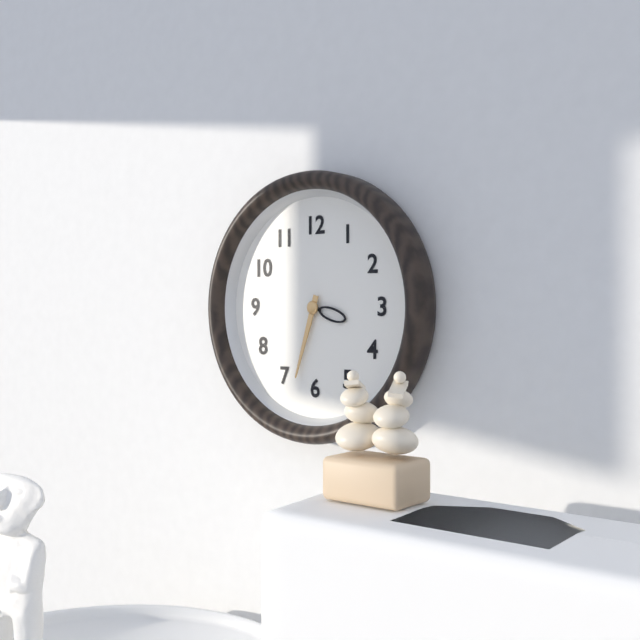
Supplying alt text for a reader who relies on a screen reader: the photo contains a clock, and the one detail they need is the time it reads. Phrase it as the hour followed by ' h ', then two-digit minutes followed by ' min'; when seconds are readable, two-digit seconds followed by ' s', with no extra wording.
3 h 33 min
